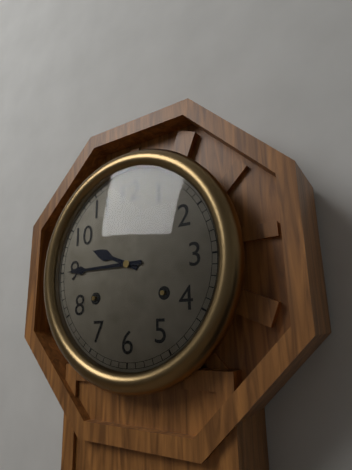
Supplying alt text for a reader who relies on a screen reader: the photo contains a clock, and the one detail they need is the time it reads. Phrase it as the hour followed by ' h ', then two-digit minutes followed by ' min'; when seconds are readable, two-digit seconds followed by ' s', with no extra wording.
9 h 45 min
